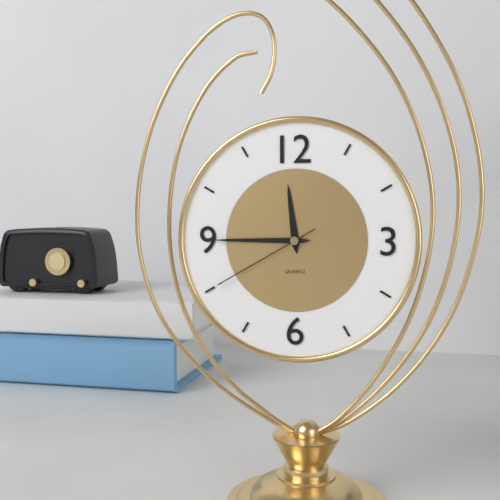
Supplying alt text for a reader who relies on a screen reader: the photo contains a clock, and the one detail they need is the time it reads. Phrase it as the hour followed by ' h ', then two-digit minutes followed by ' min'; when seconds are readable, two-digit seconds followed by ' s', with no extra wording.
11 h 45 min 40 s
